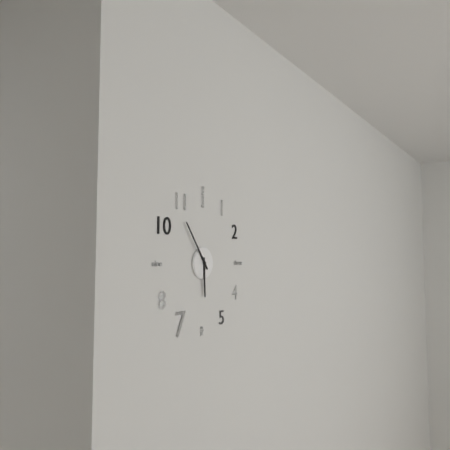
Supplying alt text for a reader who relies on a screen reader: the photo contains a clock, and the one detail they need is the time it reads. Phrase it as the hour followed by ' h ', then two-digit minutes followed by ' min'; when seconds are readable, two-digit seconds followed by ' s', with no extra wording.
5 h 54 min
